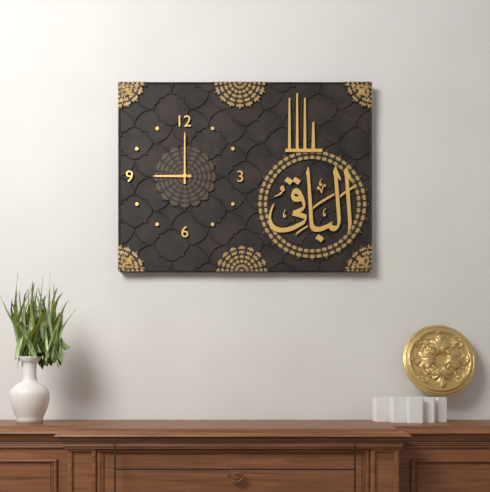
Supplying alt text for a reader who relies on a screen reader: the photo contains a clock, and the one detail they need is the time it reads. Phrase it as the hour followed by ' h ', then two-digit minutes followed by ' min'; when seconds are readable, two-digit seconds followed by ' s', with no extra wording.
9 h 00 min
